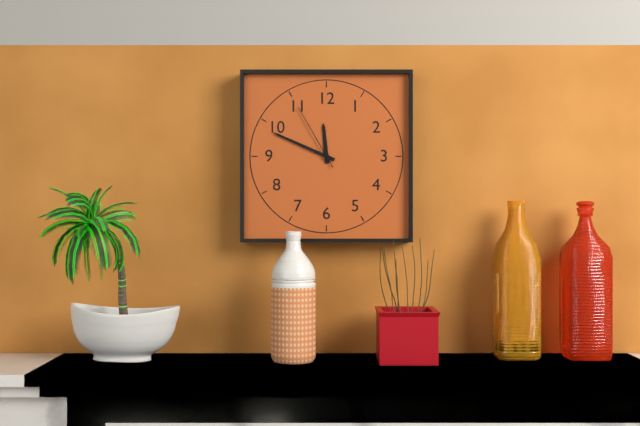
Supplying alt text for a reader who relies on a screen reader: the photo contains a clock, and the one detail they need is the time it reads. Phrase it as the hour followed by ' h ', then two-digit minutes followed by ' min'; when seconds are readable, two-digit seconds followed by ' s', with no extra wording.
11 h 49 min 55 s
